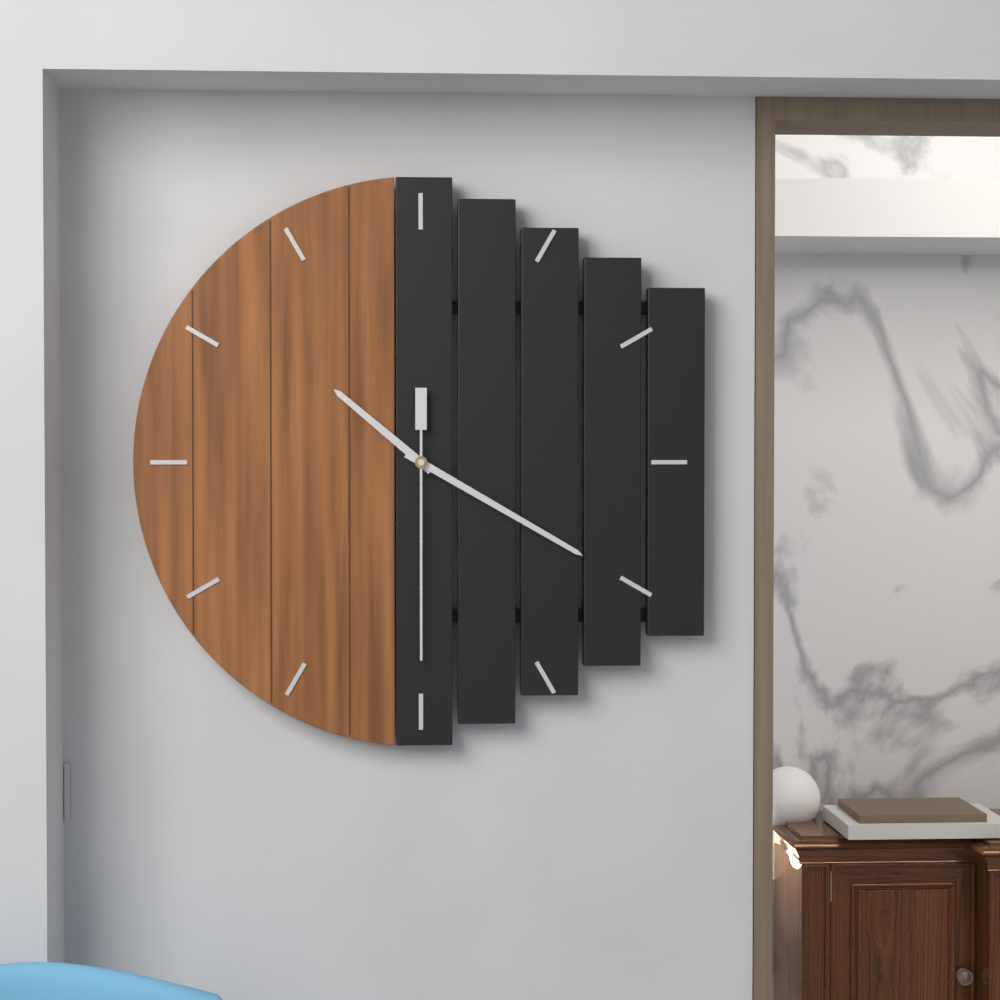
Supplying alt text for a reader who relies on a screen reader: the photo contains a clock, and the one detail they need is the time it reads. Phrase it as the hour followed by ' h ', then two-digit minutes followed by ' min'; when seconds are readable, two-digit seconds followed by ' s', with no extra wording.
10 h 20 min 30 s
